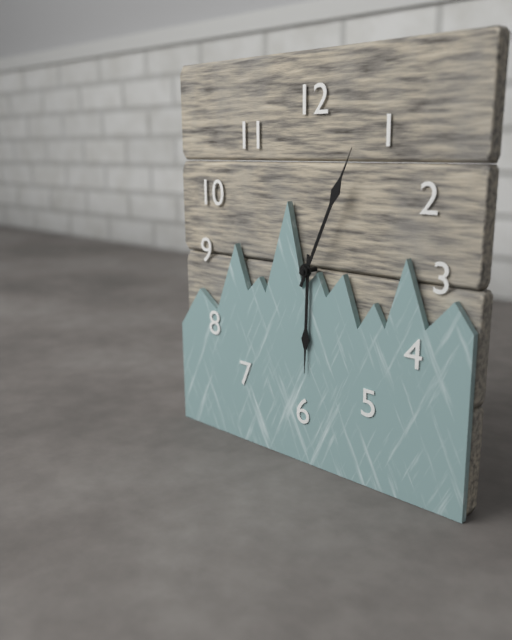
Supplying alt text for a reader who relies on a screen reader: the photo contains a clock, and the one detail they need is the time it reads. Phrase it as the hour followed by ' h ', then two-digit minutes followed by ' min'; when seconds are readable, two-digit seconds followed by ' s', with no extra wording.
6 h 04 min
